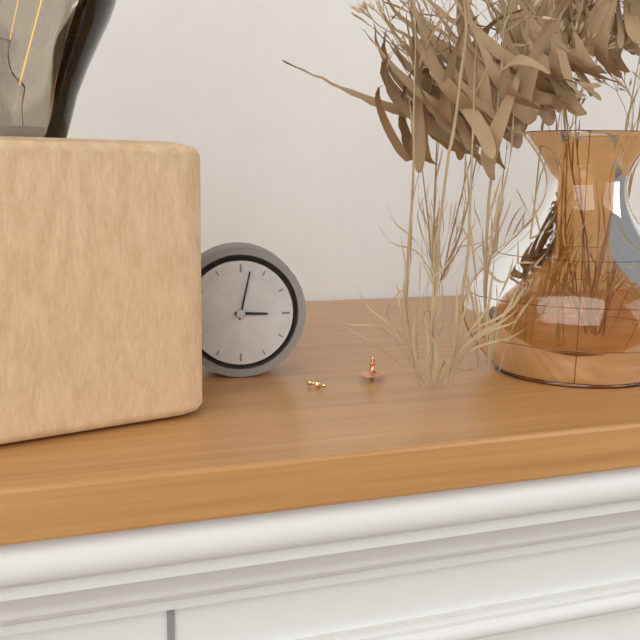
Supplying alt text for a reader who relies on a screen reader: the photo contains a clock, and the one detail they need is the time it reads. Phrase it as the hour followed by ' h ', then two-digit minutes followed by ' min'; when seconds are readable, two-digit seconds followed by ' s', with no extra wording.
3 h 02 min
